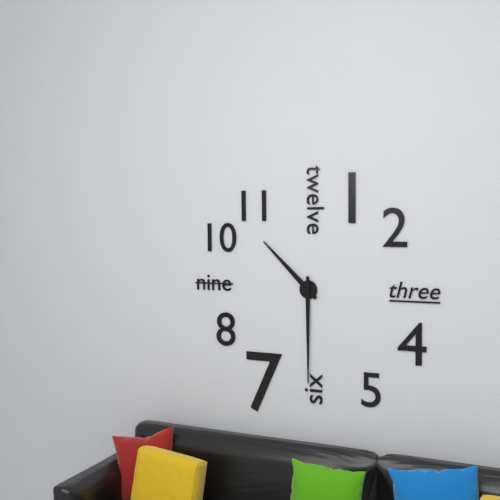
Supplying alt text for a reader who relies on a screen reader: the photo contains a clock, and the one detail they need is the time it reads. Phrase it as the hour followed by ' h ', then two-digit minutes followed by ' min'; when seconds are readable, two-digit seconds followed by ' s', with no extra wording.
10 h 30 min
